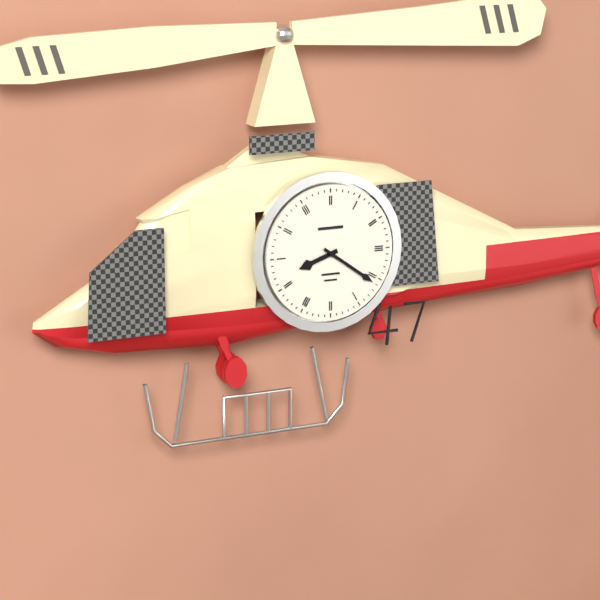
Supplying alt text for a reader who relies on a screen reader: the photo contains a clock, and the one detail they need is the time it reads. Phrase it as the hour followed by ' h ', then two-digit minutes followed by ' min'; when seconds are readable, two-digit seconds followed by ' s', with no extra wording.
8 h 21 min
